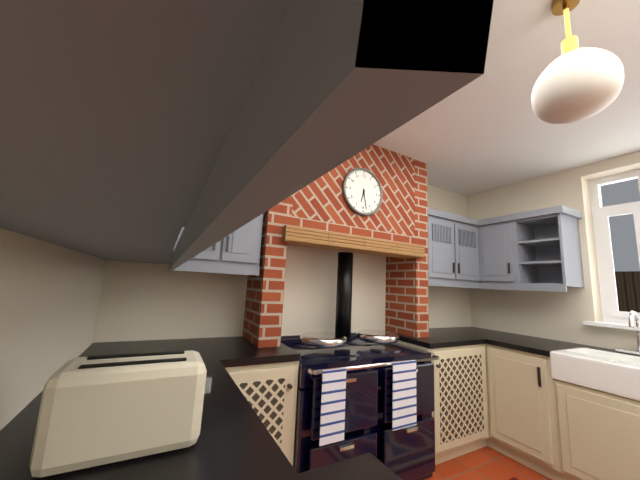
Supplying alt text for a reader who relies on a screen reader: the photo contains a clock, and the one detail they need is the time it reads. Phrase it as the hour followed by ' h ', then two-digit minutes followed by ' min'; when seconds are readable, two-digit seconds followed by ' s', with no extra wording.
6 h 28 min
